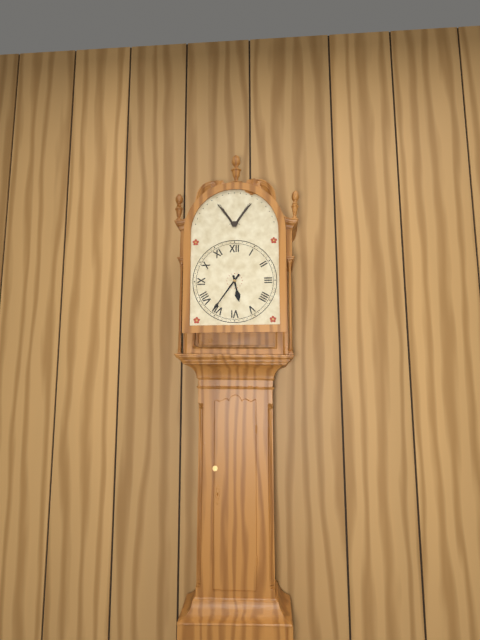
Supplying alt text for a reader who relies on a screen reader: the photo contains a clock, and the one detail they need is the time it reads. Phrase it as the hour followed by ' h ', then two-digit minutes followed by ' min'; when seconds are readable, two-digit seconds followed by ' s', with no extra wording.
5 h 36 min
